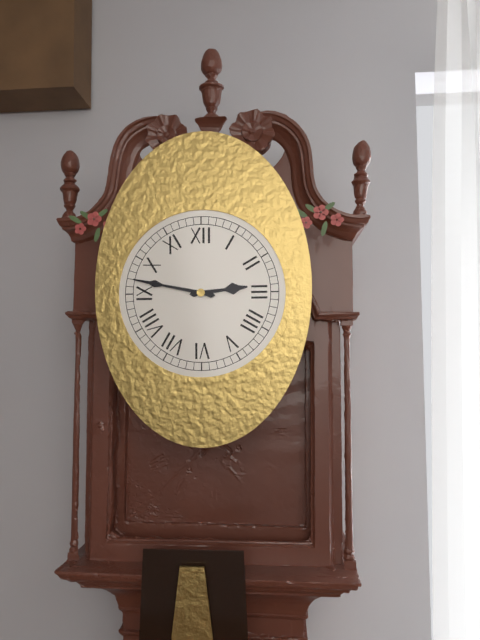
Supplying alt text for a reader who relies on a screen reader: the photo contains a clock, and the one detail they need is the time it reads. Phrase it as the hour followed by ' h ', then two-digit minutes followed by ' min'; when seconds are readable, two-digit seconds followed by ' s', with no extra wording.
2 h 47 min
